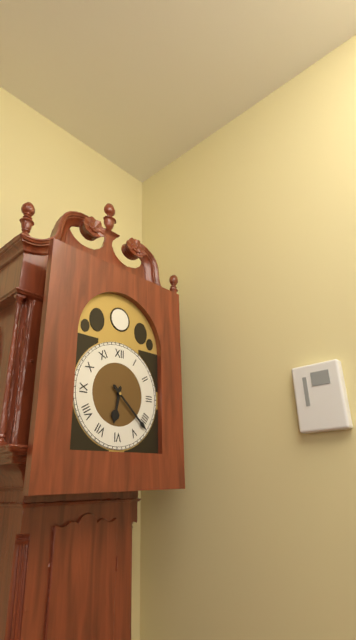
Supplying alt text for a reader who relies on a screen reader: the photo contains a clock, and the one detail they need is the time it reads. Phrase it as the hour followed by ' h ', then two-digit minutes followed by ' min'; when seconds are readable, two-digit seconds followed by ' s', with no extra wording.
6 h 22 min
